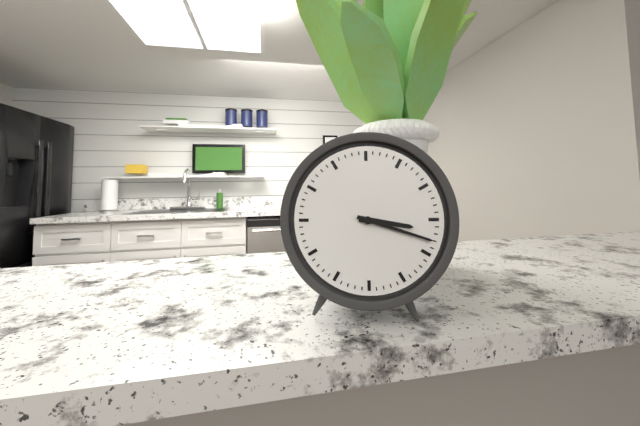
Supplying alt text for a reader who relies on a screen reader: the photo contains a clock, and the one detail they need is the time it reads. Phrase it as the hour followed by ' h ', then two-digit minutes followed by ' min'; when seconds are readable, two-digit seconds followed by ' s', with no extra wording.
3 h 18 min
